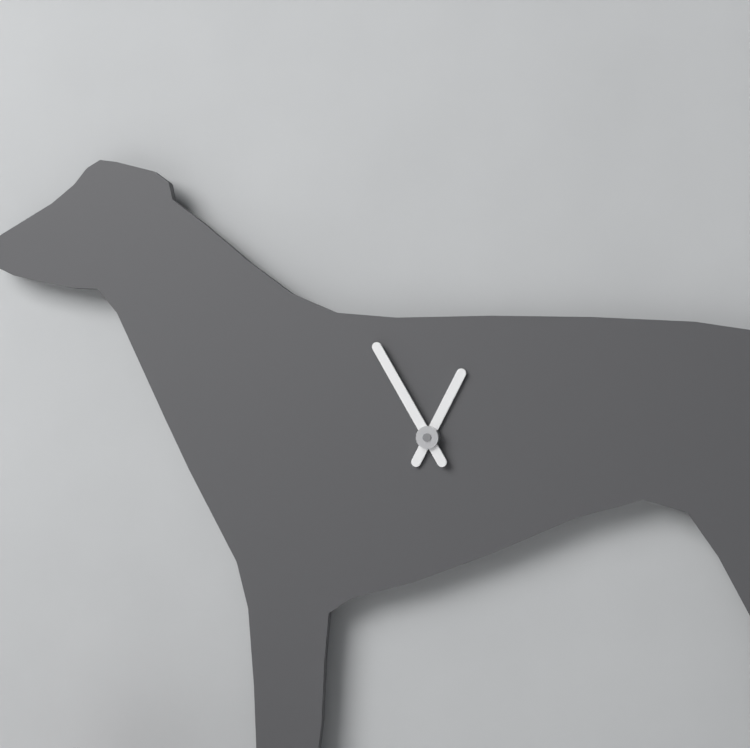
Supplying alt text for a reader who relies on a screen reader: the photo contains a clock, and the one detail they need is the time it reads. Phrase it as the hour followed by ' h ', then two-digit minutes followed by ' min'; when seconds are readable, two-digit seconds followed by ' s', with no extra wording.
12 h 55 min
